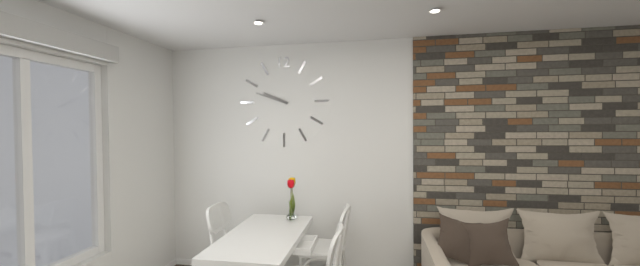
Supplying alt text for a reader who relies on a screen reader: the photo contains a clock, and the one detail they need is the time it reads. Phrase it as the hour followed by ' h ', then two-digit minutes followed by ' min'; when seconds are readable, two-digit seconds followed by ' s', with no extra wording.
9 h 48 min
